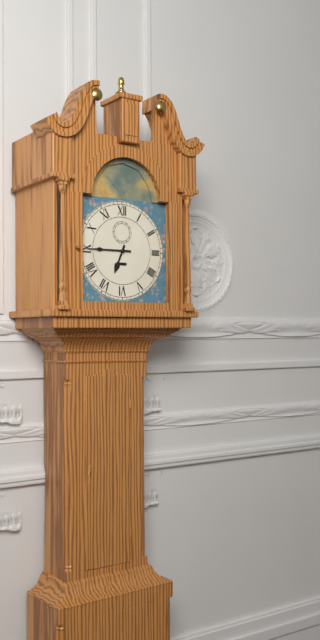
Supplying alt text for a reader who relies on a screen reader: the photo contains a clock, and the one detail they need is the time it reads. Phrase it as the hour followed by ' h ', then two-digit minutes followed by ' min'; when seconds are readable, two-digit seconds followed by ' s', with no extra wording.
6 h 45 min
